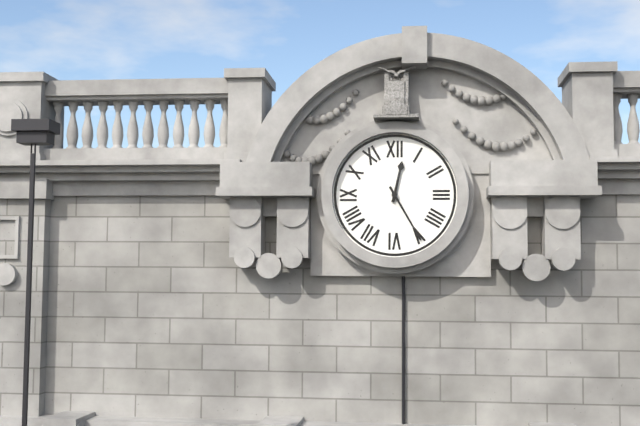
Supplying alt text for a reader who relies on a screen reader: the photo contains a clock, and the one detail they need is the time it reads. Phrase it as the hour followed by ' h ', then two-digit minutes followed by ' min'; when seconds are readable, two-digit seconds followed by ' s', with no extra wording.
12 h 25 min
